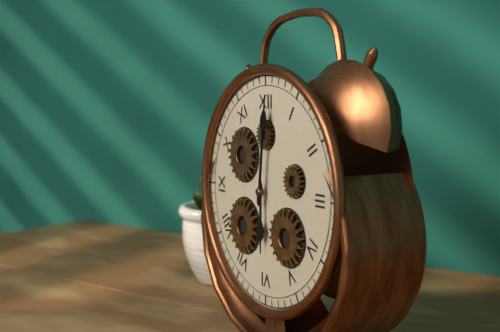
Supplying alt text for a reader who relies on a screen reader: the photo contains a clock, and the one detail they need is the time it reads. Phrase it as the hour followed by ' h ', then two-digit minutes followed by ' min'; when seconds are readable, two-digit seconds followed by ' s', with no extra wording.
6 h 01 min
